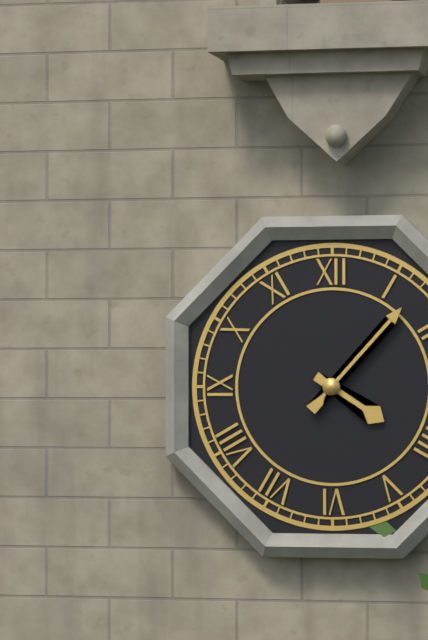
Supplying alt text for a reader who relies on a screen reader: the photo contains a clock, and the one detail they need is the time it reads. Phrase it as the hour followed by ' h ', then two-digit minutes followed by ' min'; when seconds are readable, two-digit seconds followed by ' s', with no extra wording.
4 h 07 min
